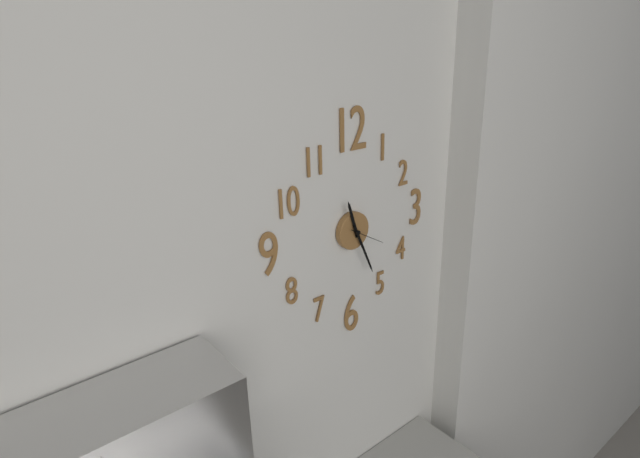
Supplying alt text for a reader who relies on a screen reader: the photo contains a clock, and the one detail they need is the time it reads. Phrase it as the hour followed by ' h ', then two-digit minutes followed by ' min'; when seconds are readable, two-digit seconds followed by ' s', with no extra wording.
11 h 26 min
